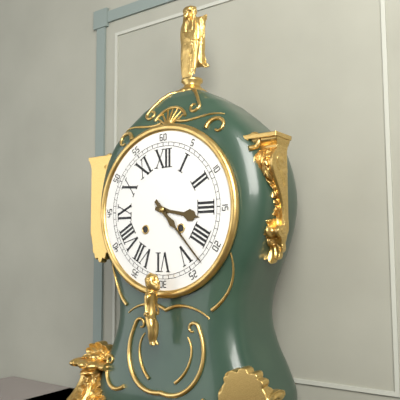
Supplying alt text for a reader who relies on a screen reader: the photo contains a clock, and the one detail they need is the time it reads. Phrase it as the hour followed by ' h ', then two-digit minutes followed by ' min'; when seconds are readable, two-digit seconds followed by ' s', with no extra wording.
3 h 23 min
